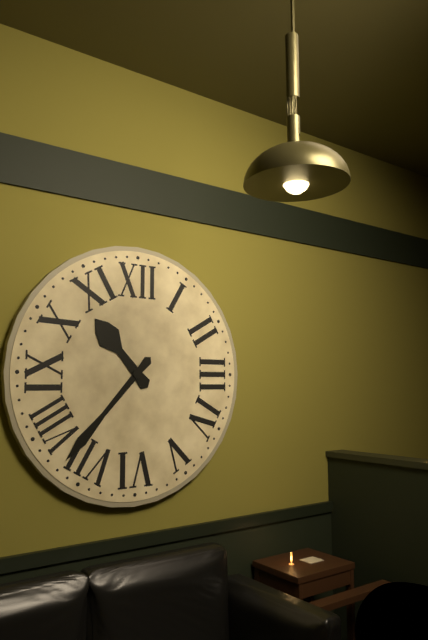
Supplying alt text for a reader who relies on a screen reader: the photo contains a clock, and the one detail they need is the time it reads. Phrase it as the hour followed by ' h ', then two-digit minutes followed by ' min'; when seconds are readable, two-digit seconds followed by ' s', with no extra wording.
10 h 37 min
